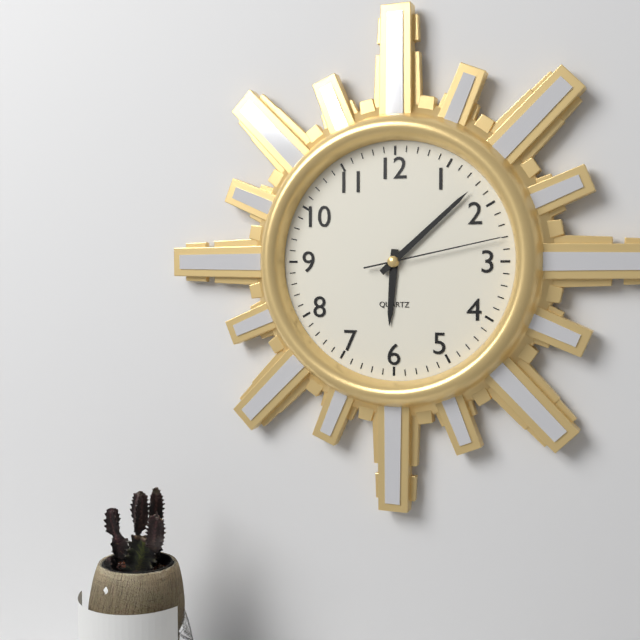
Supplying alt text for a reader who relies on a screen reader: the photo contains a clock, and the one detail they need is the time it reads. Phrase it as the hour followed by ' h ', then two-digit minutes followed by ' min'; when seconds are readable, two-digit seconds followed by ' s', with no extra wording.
6 h 08 min 13 s
